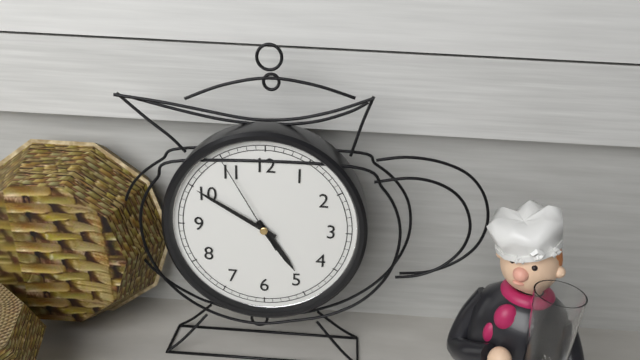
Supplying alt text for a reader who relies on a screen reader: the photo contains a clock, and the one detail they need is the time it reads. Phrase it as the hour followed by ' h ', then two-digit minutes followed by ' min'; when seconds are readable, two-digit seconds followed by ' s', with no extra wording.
4 h 50 min 55 s
